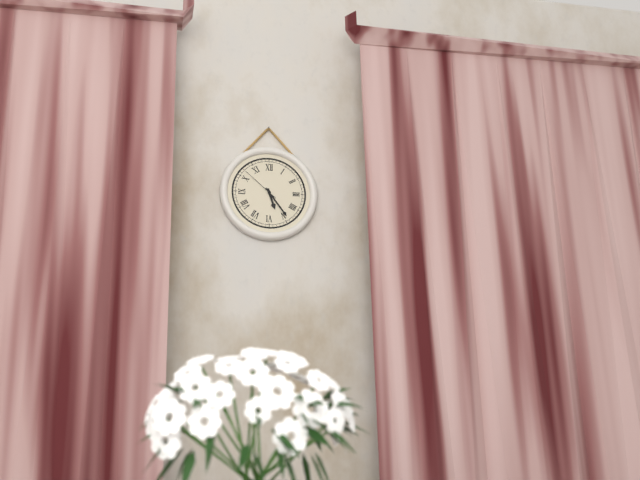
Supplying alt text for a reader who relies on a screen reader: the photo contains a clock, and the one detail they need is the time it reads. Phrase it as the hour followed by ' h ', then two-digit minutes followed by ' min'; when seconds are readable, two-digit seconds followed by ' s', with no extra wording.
5 h 24 min
